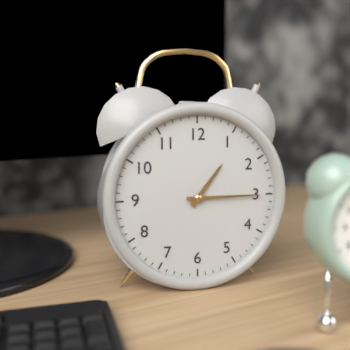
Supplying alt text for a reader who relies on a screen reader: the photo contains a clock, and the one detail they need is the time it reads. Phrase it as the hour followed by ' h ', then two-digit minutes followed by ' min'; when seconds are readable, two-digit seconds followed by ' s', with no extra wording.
1 h 15 min
